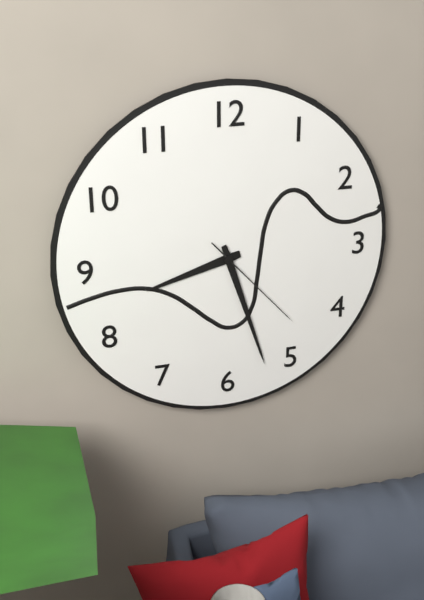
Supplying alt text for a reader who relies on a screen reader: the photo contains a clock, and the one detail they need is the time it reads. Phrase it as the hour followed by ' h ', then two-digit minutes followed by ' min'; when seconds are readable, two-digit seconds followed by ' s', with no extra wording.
8 h 27 min 23 s
